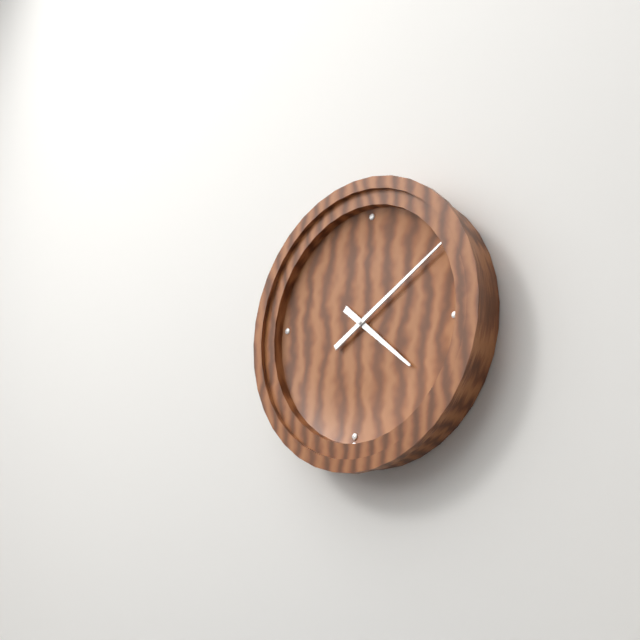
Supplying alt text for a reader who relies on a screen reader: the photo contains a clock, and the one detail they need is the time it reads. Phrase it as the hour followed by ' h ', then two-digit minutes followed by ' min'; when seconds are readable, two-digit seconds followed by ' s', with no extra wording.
4 h 09 min
